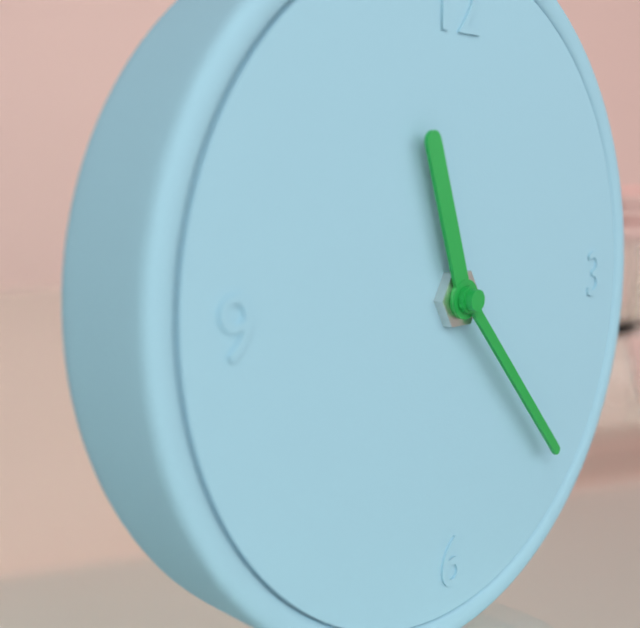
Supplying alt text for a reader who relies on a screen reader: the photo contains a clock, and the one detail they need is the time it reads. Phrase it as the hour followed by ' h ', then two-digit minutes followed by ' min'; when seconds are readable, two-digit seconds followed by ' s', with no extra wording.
11 h 23 min
